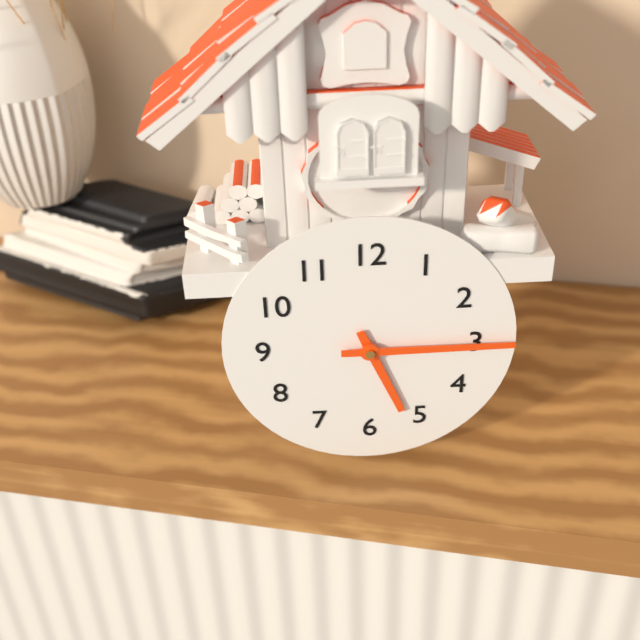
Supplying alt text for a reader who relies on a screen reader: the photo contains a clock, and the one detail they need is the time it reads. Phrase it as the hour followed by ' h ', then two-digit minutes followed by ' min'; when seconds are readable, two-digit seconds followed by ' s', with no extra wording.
5 h 15 min
